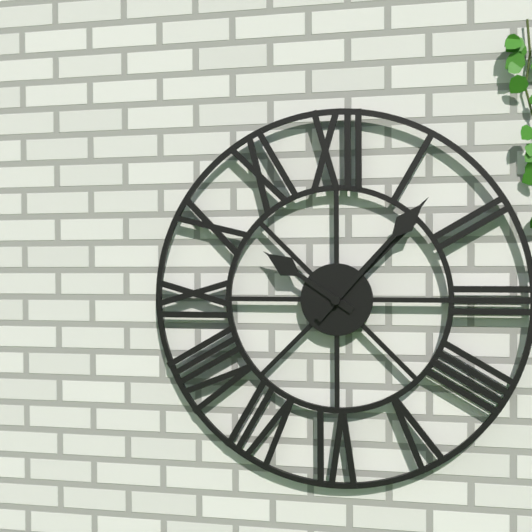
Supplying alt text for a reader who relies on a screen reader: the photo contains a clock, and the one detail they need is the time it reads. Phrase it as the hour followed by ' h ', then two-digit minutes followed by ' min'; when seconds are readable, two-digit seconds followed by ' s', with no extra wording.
10 h 07 min
